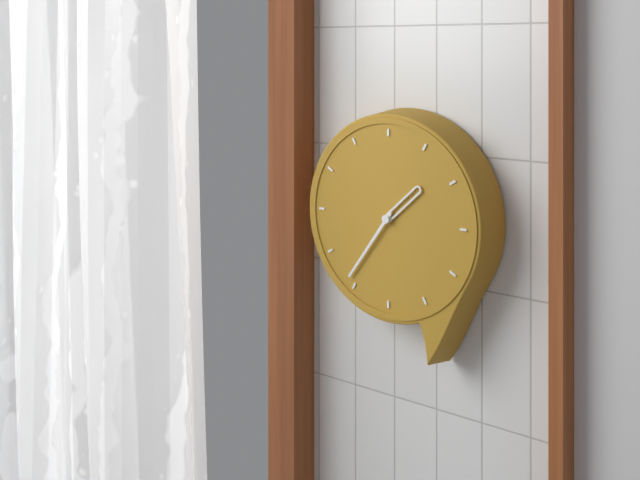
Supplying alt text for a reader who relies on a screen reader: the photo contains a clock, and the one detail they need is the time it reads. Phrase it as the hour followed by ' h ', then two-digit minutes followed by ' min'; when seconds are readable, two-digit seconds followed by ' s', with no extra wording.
1 h 36 min
